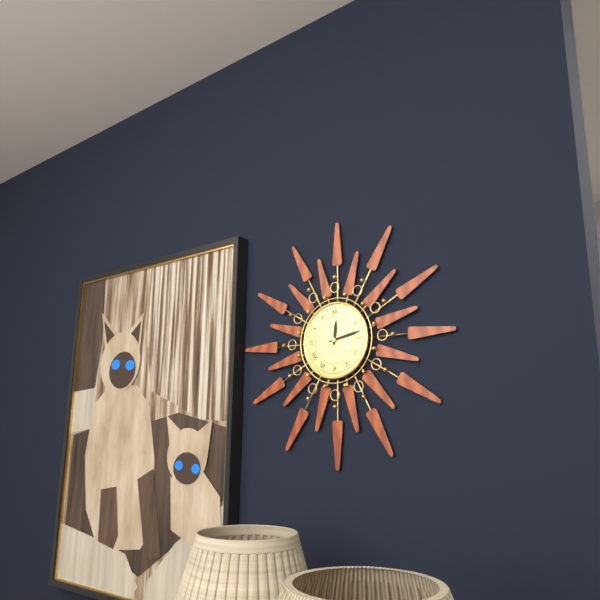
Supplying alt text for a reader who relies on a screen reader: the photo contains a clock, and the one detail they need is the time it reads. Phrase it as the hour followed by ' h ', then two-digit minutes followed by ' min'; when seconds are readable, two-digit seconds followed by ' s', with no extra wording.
12 h 13 min
